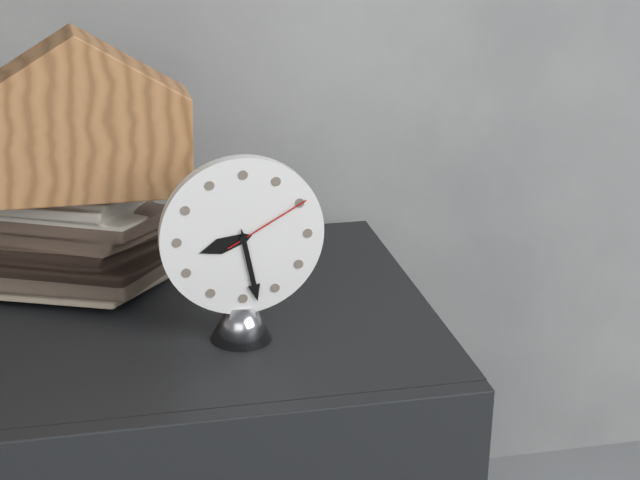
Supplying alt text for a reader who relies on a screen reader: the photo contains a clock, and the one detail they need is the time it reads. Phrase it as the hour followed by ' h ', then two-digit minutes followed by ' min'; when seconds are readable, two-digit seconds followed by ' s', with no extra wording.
8 h 28 min 10 s
